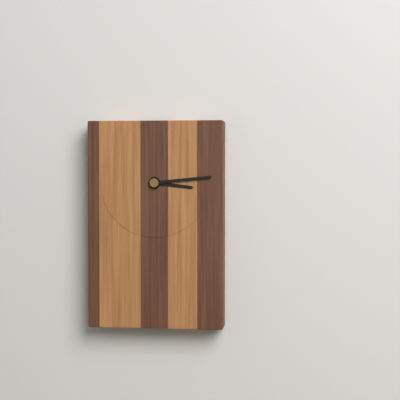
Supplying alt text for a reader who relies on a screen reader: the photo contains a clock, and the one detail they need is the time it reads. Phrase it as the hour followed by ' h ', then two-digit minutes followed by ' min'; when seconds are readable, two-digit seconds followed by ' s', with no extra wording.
3 h 14 min
